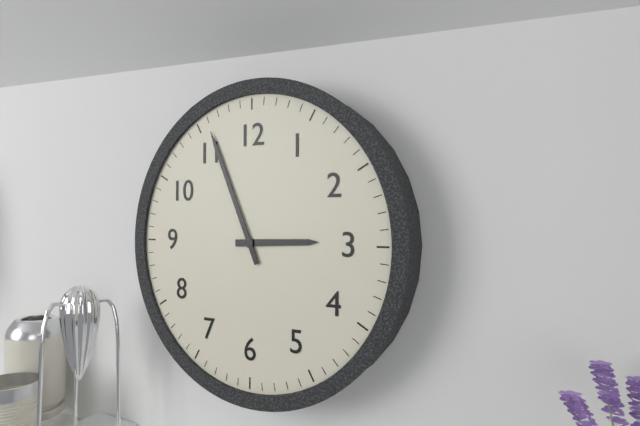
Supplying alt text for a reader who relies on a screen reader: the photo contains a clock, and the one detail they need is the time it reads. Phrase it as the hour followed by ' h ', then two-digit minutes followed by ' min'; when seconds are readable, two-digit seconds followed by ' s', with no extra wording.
2 h 56 min
